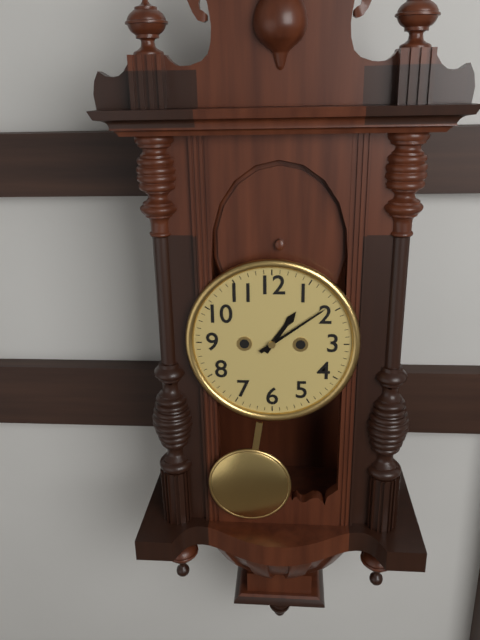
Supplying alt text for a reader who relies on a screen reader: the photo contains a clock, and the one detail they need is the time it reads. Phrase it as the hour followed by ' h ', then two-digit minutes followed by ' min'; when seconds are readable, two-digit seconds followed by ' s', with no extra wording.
1 h 09 min
